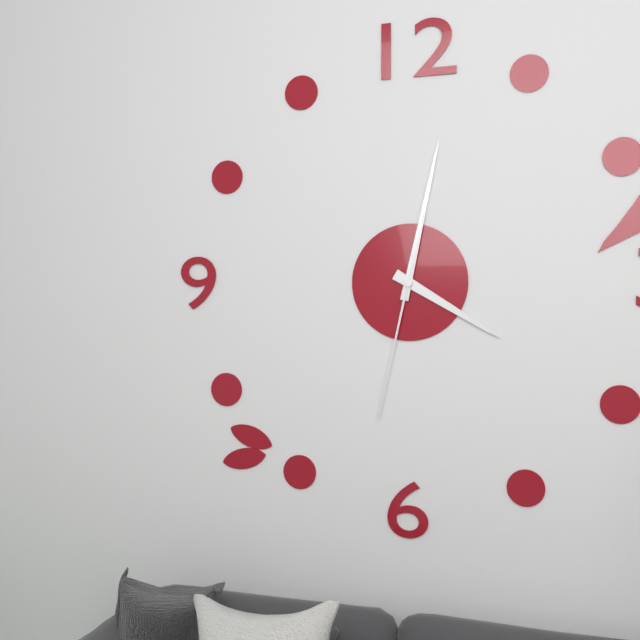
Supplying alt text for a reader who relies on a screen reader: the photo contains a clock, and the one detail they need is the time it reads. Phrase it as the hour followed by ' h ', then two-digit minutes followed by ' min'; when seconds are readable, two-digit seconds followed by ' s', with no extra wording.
4 h 02 min 32 s
